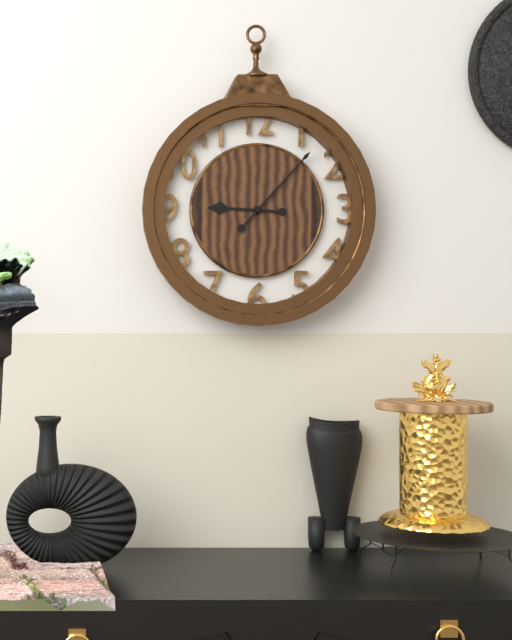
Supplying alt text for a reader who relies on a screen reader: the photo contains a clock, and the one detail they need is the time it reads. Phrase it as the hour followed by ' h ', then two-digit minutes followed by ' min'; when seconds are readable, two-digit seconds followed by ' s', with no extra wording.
9 h 07 min
